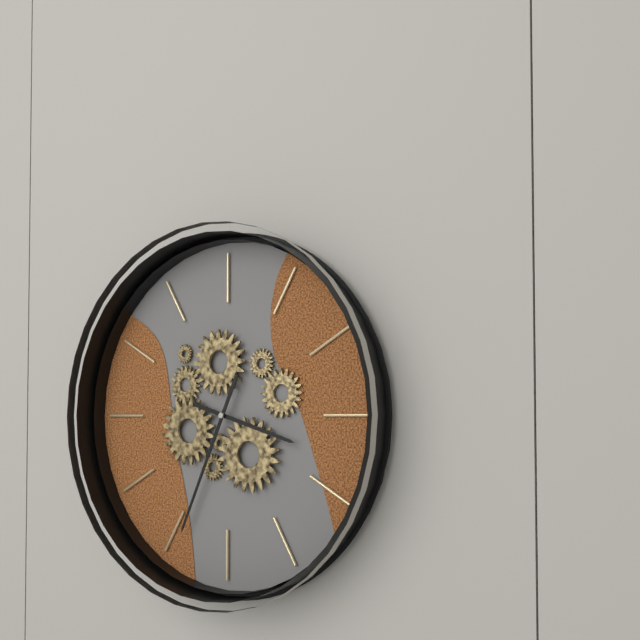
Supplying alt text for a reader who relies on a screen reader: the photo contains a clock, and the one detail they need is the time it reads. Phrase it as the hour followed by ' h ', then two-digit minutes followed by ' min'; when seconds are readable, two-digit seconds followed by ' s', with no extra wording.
3 h 34 min
